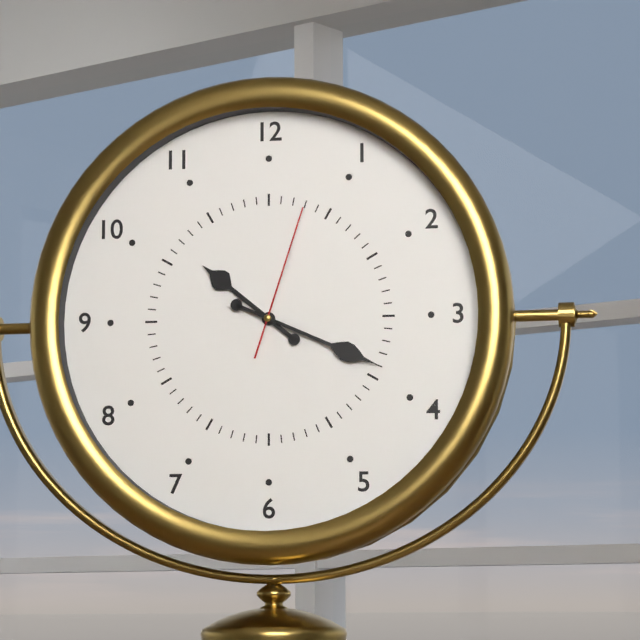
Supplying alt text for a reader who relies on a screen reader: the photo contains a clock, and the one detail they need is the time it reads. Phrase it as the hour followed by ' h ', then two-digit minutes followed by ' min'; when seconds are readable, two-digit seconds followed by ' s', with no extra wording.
10 h 19 min 03 s
